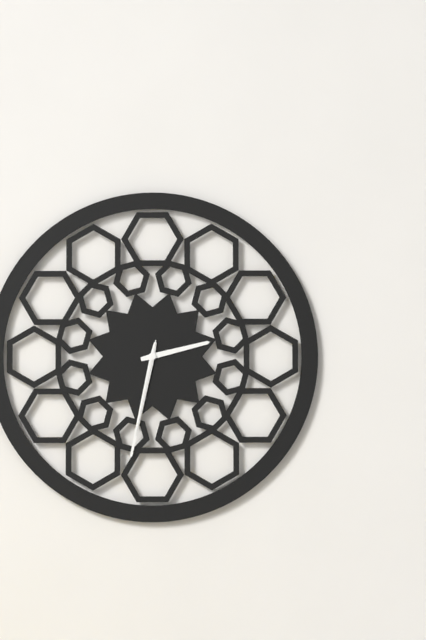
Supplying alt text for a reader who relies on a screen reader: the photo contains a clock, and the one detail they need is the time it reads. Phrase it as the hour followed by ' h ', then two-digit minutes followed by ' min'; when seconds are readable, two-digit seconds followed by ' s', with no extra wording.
2 h 32 min 32 s
